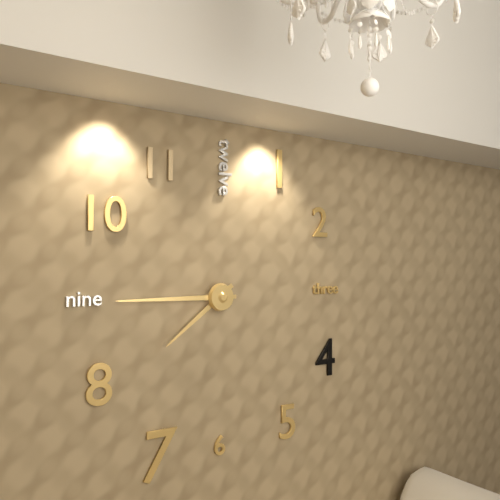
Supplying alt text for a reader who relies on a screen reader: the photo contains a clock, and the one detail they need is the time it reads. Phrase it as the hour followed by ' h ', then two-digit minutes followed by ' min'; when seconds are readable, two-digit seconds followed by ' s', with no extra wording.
7 h 45 min
